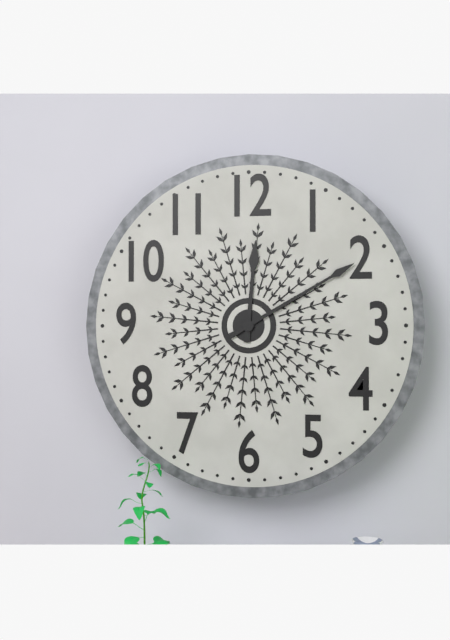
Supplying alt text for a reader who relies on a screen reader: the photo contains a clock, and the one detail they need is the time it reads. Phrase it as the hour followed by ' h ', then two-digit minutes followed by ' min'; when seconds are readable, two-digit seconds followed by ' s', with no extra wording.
12 h 10 min
